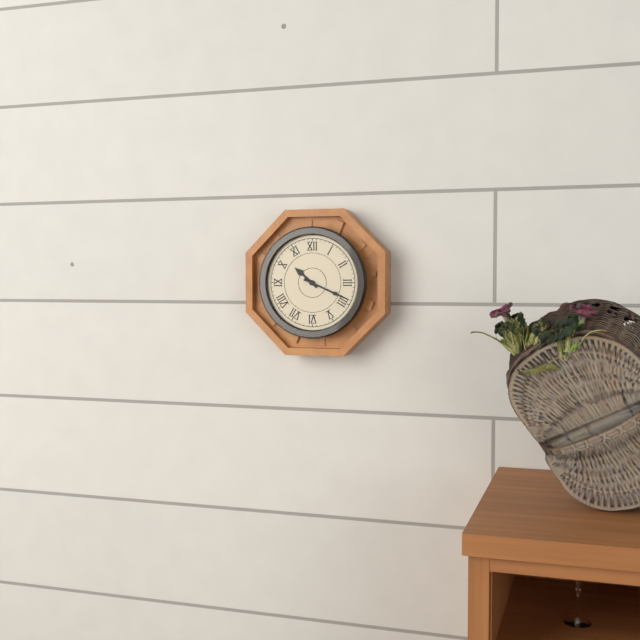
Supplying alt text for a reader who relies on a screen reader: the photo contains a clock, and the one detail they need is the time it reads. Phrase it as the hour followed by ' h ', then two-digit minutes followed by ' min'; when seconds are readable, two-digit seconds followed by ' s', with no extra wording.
10 h 19 min
